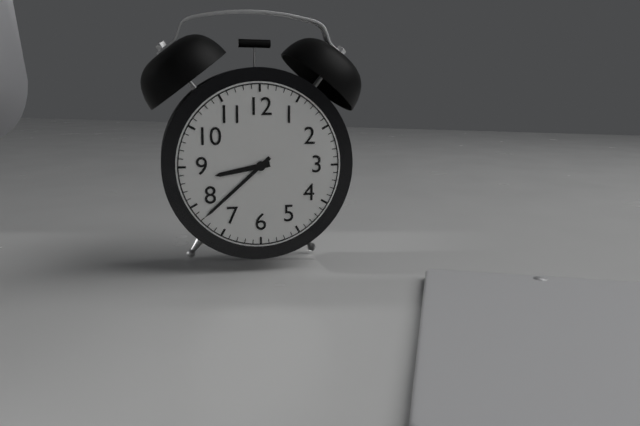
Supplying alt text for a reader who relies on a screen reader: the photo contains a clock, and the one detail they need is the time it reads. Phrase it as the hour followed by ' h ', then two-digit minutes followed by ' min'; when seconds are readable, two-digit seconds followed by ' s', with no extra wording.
8 h 38 min
